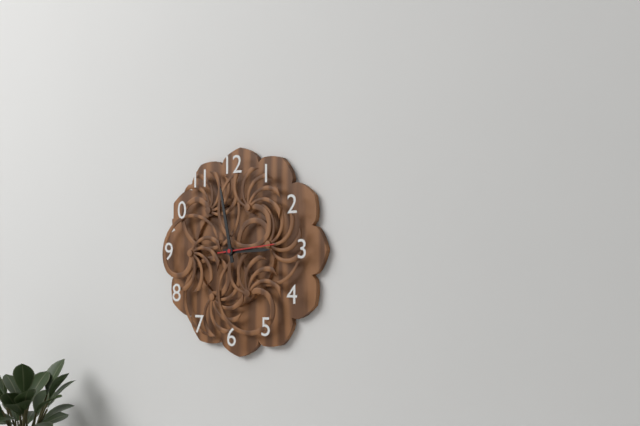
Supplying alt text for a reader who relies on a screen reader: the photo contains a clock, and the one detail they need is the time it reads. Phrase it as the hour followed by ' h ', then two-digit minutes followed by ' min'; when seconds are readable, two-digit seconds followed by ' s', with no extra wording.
2 h 58 min 14 s
